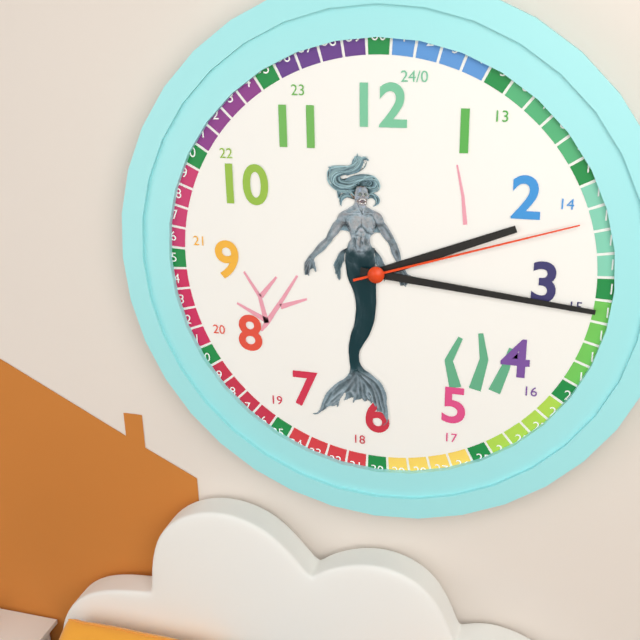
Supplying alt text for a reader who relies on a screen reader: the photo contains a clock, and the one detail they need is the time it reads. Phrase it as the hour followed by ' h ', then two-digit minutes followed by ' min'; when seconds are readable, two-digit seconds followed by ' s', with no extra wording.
2 h 16 min 12 s
